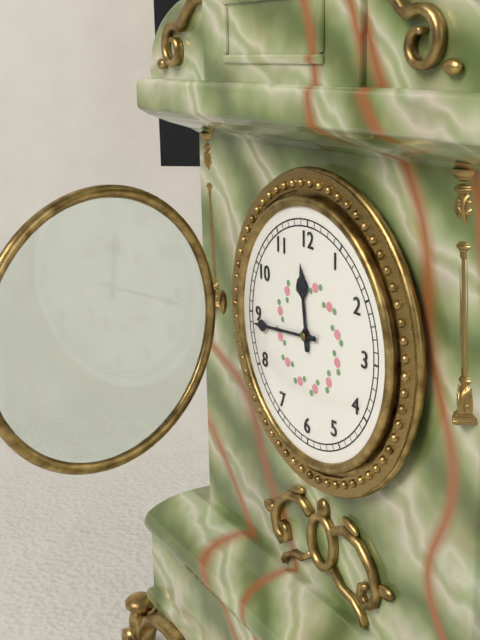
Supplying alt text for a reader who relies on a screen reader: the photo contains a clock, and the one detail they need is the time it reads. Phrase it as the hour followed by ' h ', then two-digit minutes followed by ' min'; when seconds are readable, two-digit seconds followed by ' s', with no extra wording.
11 h 44 min
